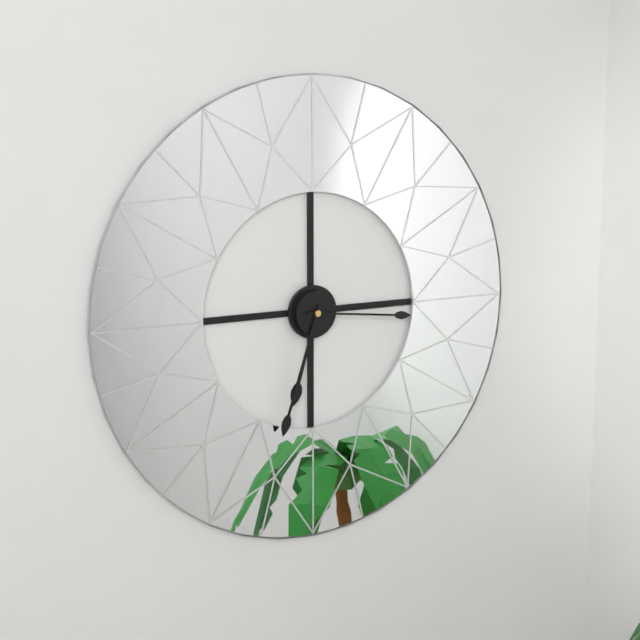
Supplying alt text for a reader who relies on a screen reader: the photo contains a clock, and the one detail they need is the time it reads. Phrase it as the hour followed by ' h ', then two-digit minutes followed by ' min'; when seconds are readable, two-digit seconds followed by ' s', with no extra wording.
6 h 33 min 16 s
